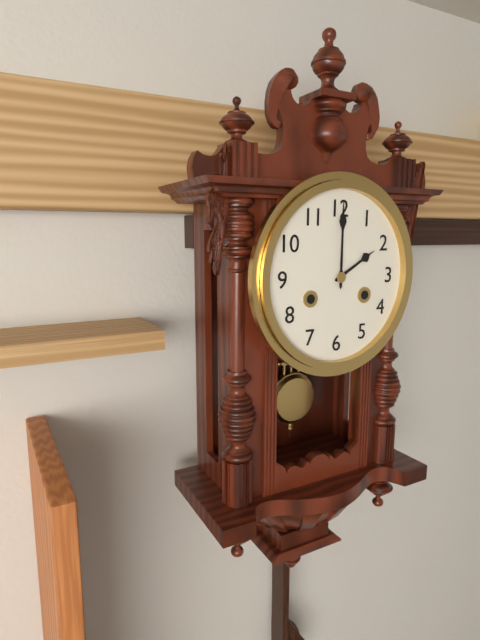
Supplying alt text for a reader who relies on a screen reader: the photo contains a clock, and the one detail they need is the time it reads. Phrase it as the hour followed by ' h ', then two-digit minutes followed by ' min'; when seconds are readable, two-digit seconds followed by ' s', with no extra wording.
2 h 00 min
